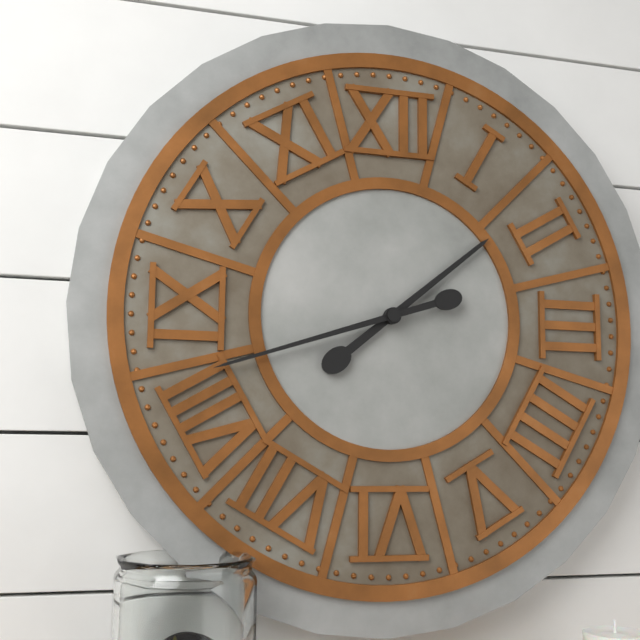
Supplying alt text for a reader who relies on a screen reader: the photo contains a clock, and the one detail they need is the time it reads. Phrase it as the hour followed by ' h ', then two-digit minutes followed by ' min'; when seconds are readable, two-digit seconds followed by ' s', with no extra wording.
1 h 42 min
